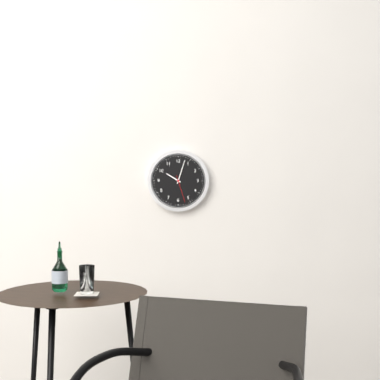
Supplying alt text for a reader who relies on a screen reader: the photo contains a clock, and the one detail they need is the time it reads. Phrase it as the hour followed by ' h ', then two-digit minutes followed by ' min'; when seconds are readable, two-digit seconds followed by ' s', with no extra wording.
10 h 03 min
